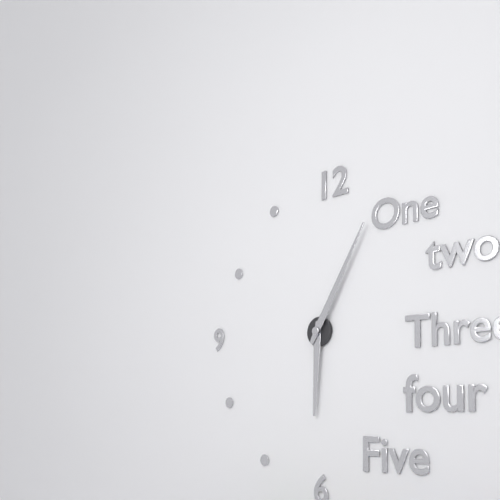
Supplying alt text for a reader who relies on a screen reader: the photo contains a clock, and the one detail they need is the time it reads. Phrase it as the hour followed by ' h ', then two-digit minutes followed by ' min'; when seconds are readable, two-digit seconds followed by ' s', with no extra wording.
6 h 05 min
